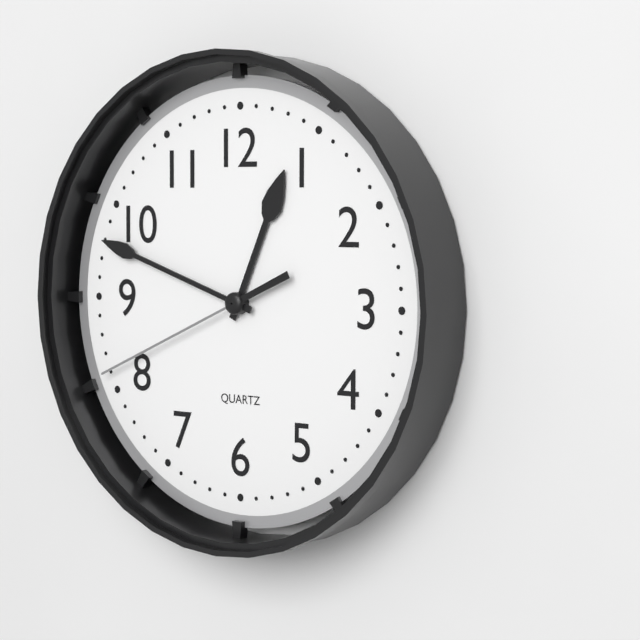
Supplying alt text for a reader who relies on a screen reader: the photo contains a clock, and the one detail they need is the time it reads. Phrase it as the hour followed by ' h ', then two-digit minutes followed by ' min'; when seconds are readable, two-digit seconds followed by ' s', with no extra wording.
12 h 48 min 41 s
